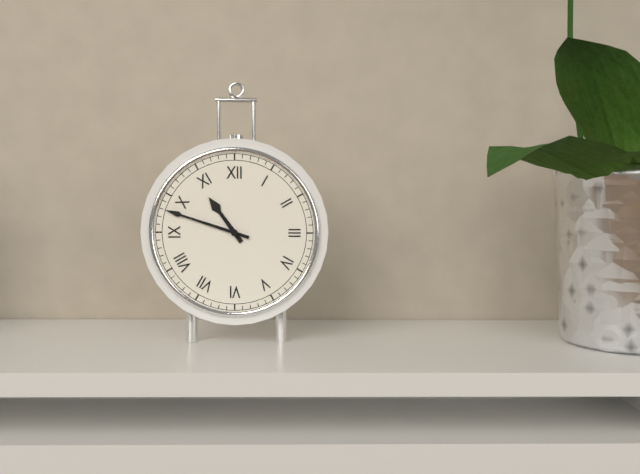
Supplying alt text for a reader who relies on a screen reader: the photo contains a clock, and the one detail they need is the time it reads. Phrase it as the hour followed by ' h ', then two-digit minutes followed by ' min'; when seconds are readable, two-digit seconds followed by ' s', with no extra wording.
10 h 48 min
